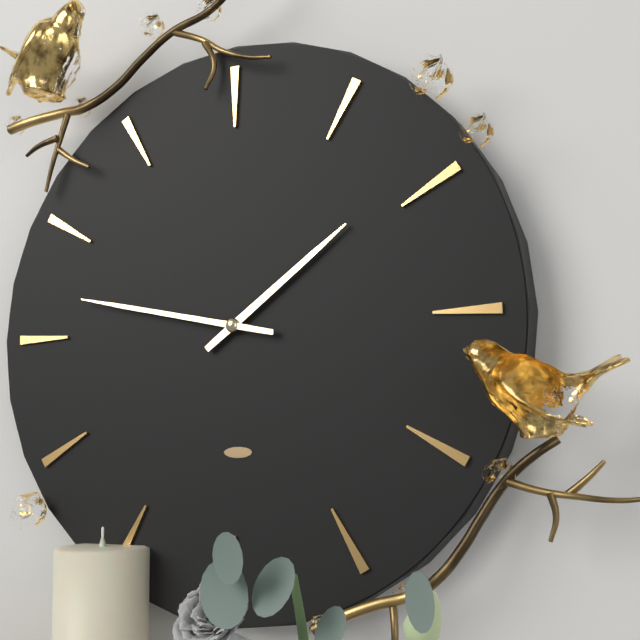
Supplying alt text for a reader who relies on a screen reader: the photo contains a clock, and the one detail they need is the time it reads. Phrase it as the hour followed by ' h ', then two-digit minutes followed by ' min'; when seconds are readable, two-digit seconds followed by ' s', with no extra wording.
1 h 47 min
